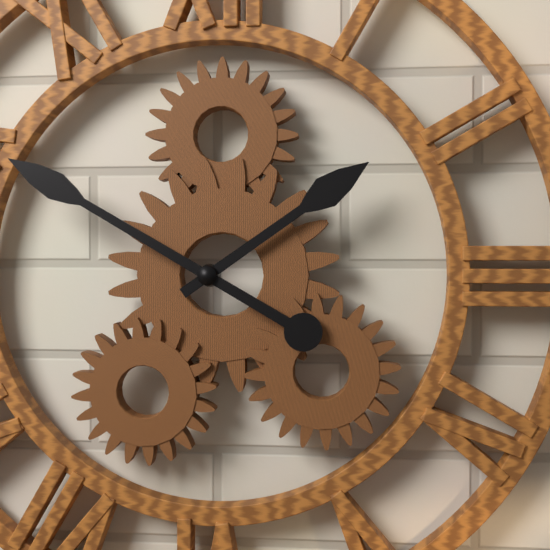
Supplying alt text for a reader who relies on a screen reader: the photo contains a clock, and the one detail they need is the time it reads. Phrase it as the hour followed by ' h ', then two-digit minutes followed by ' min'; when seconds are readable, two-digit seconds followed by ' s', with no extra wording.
1 h 50 min
